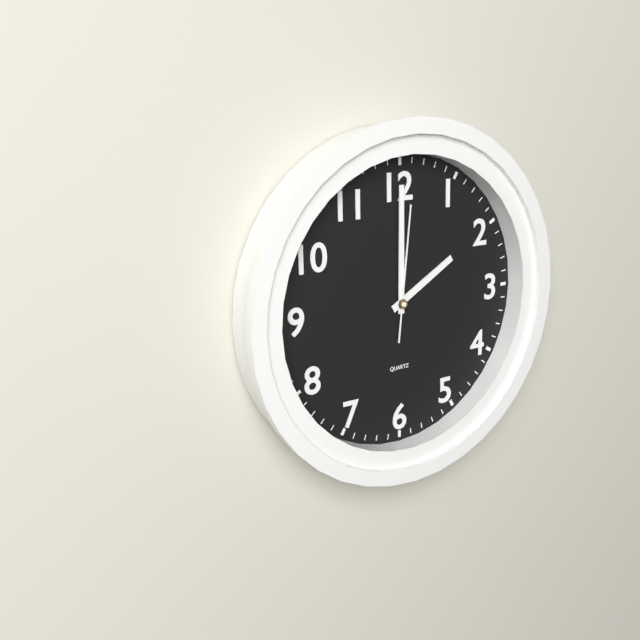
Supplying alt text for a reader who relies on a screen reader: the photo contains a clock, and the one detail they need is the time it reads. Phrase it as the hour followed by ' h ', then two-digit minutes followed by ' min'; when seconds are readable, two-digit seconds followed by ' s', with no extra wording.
2 h 00 min 01 s
